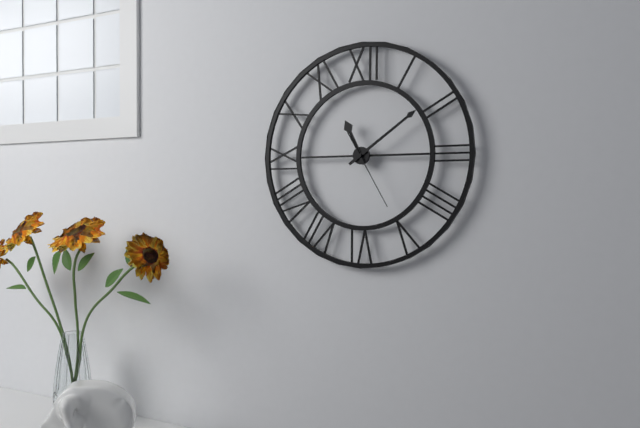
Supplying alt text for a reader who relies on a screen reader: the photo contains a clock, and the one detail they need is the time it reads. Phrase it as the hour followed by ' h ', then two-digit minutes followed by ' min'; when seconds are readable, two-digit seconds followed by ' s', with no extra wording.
11 h 09 min 25 s
